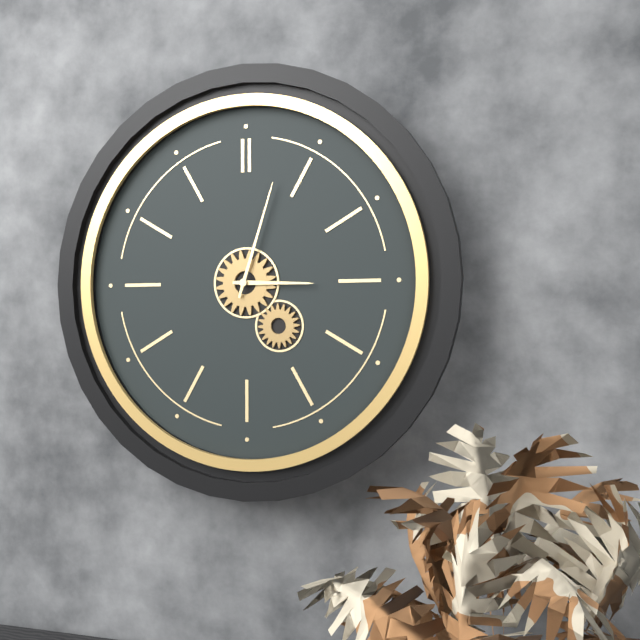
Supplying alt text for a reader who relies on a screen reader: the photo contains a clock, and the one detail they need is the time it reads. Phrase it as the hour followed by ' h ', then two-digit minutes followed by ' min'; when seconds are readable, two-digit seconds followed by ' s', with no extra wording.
3 h 03 min
